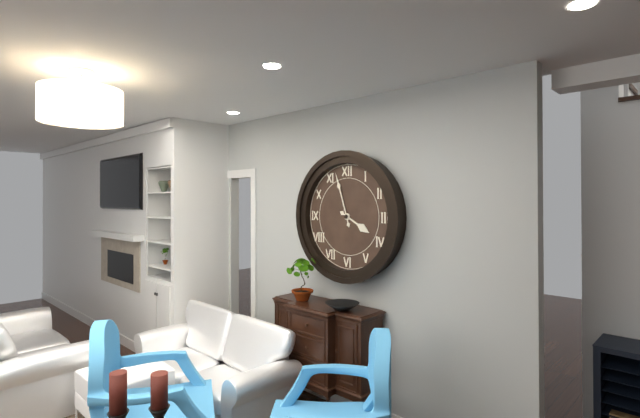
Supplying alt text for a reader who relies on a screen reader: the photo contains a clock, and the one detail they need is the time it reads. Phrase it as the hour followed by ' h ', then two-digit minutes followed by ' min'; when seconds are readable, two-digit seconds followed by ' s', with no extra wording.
3 h 57 min
